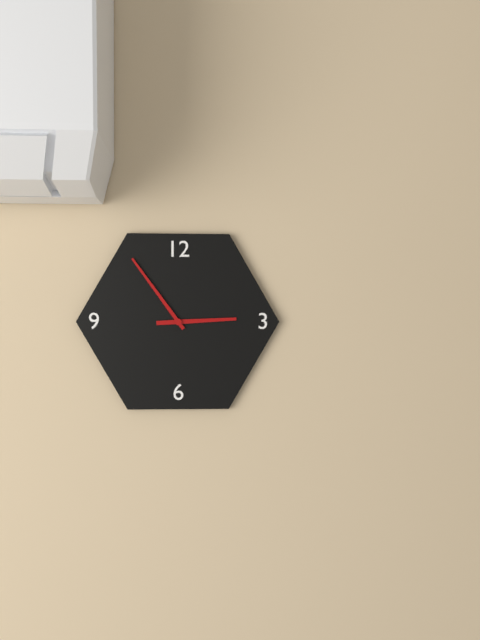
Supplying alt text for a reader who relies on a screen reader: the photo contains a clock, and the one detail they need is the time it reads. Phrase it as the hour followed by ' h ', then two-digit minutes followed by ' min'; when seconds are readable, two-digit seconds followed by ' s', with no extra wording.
2 h 54 min
